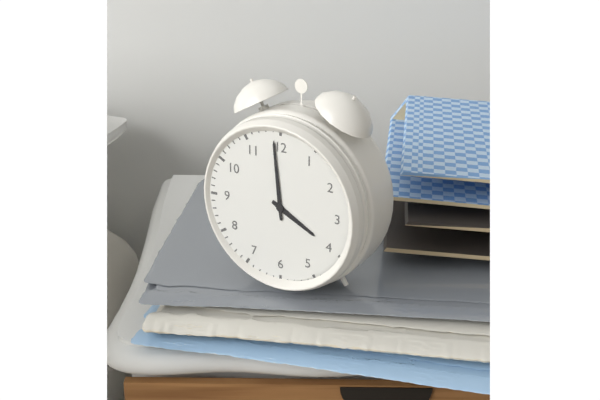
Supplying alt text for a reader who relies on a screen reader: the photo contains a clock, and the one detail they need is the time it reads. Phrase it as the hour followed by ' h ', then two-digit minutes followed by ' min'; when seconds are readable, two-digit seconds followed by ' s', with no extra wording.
3 h 59 min
